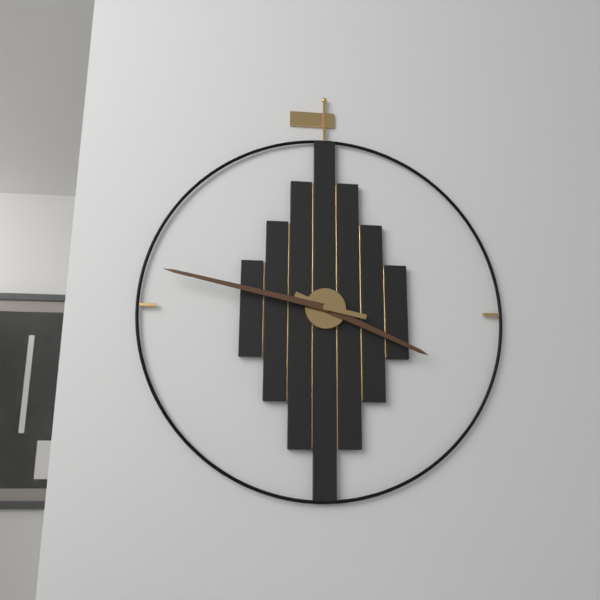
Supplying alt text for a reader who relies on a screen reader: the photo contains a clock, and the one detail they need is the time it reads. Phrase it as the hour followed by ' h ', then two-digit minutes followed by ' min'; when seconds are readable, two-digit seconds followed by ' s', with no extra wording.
3 h 47 min
